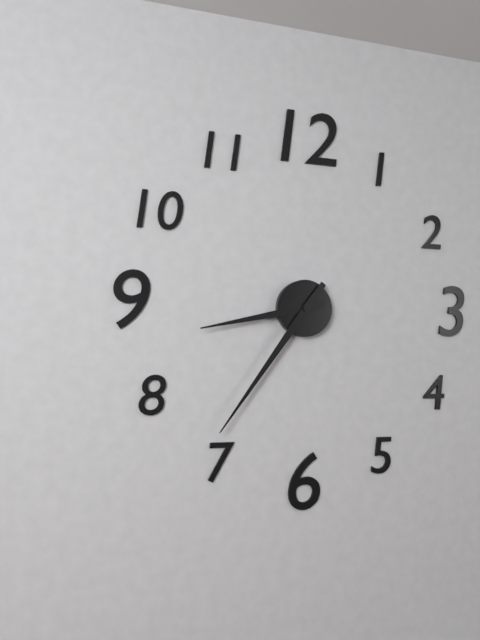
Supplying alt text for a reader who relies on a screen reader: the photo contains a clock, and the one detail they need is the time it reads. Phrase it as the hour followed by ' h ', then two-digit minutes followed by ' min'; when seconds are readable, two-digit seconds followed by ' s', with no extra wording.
8 h 36 min
